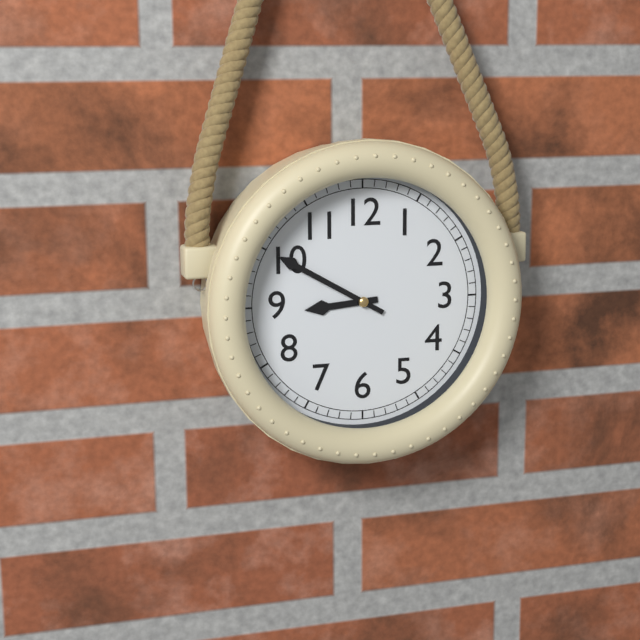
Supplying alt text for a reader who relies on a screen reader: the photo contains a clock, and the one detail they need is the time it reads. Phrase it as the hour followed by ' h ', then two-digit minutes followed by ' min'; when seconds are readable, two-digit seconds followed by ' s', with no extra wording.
8 h 50 min
